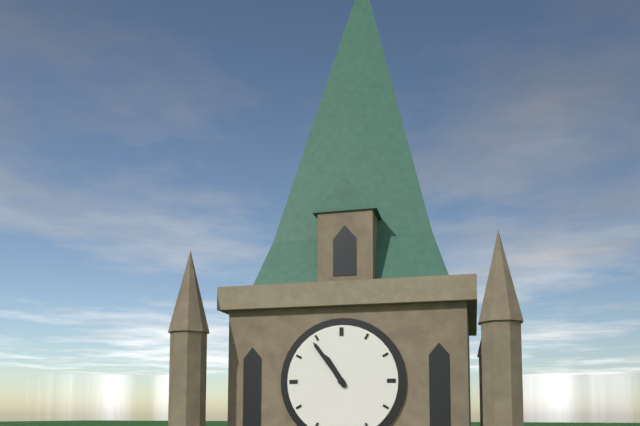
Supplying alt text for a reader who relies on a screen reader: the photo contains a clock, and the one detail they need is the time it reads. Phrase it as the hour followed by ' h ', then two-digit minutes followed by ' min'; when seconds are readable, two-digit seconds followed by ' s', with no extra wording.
10 h 54 min
